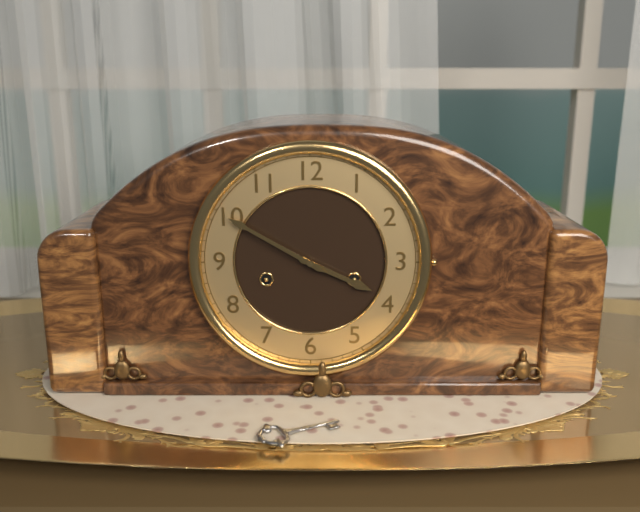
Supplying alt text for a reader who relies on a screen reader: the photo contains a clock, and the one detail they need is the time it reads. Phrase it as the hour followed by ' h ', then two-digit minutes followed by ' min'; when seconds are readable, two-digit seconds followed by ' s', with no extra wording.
3 h 50 min
